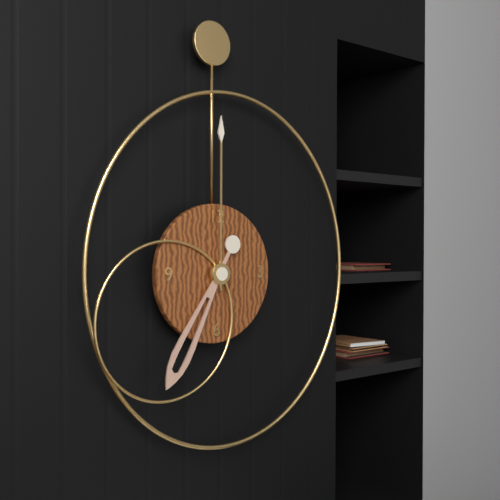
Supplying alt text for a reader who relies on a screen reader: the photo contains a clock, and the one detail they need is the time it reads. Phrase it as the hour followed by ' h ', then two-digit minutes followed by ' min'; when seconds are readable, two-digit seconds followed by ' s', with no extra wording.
7 h 00 min
